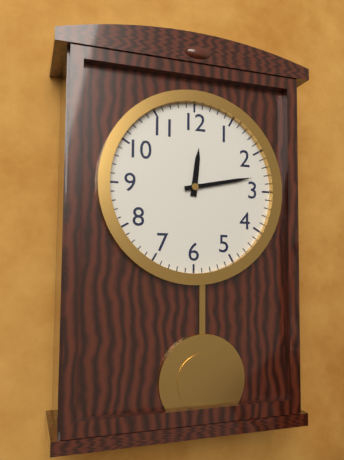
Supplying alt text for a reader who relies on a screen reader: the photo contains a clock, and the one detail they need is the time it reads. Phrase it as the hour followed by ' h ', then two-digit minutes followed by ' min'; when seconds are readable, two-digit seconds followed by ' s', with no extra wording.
12 h 13 min
